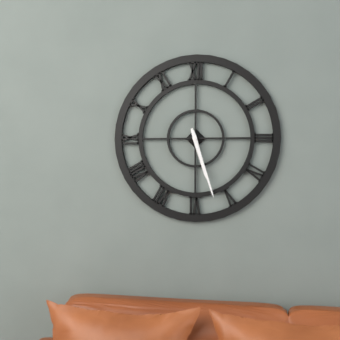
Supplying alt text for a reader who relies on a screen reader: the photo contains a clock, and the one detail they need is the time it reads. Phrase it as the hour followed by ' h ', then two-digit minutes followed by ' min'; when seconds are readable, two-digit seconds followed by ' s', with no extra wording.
5 h 27 min
